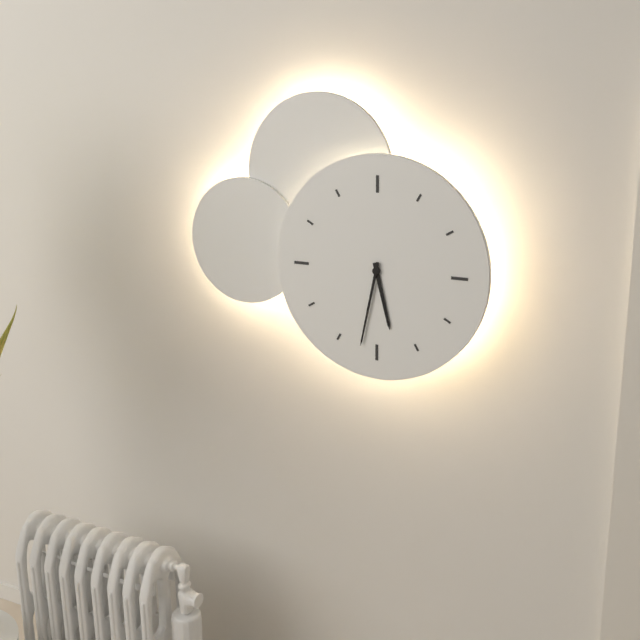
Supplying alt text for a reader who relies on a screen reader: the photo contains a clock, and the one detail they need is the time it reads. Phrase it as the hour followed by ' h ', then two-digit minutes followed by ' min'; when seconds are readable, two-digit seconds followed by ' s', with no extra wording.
5 h 32 min
